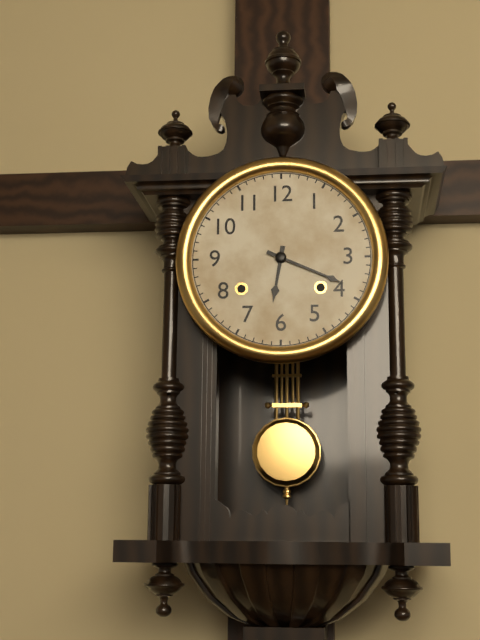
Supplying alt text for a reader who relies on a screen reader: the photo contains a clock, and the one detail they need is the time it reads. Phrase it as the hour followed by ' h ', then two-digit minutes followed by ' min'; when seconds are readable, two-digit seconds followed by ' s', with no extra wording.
6 h 19 min
